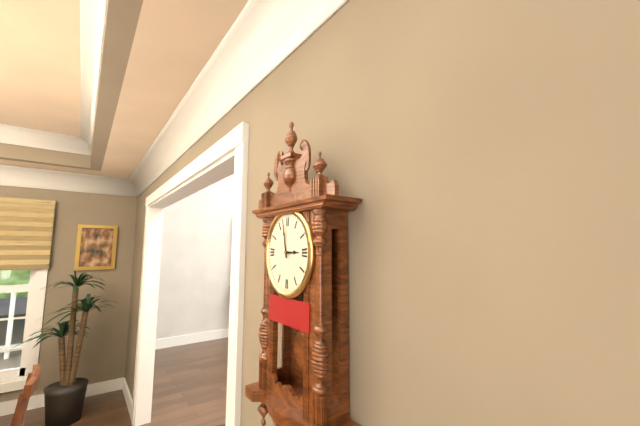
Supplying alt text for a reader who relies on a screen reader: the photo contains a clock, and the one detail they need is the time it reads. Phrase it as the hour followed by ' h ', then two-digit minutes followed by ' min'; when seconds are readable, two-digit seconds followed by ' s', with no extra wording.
2 h 58 min
